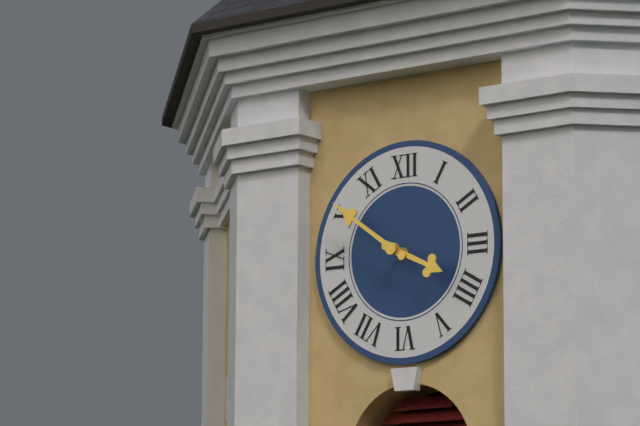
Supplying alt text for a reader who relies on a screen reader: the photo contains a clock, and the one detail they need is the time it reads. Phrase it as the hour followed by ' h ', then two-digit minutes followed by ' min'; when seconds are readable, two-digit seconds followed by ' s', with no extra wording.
3 h 51 min
